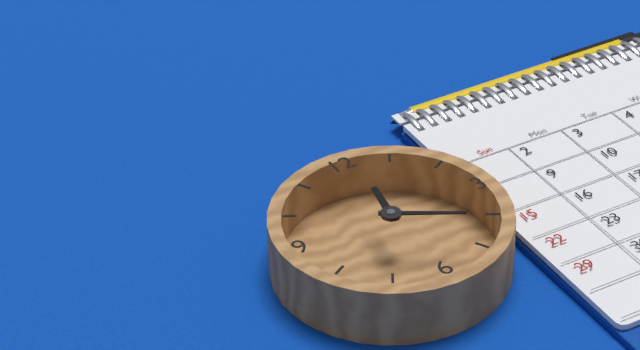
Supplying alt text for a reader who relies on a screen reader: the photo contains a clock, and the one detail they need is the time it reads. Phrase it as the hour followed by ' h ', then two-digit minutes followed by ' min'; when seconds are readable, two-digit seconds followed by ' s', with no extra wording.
12 h 20 min
